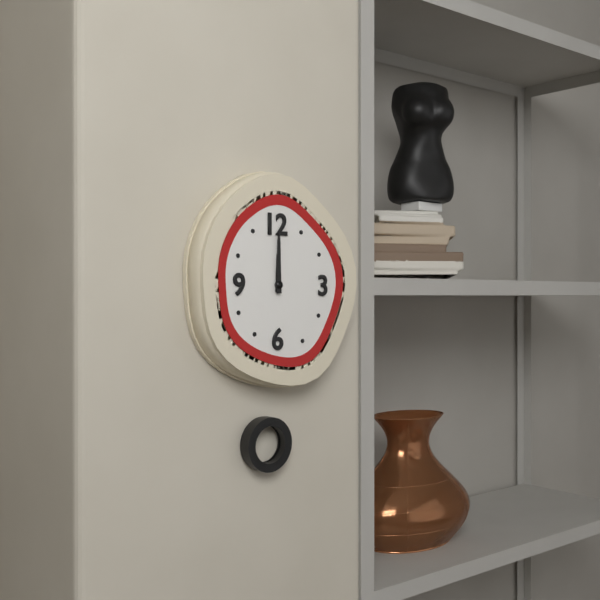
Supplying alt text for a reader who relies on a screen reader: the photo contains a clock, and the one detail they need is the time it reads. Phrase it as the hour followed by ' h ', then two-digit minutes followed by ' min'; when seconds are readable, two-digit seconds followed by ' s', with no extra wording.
12 h 00 min
